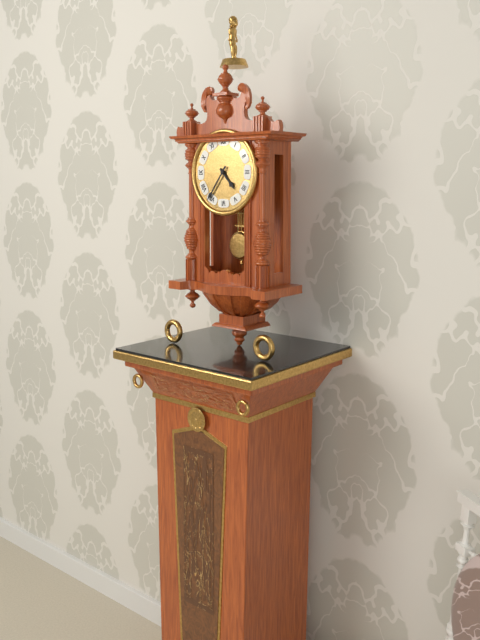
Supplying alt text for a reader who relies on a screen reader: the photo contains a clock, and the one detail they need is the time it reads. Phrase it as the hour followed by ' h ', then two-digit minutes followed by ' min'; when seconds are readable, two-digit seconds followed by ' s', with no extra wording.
4 h 36 min
